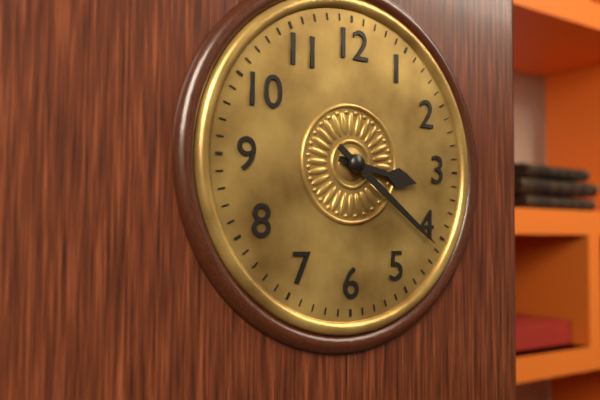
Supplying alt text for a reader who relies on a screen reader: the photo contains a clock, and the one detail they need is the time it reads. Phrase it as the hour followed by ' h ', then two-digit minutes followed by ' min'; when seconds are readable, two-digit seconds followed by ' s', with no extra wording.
3 h 21 min
